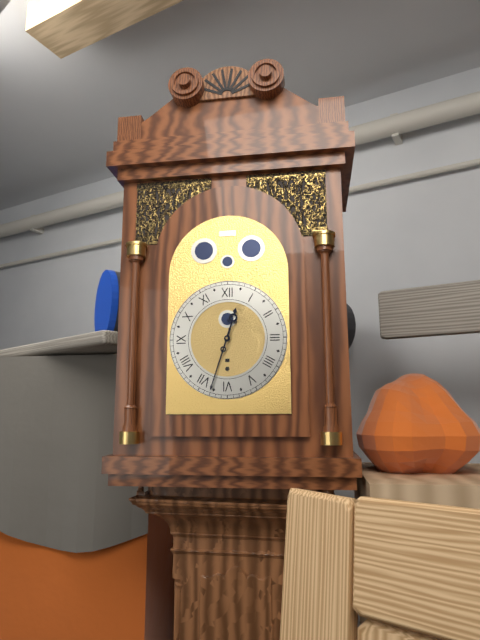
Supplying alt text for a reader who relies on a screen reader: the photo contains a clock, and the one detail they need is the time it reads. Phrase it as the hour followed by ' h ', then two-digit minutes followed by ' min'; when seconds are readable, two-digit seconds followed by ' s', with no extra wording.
12 h 33 min
